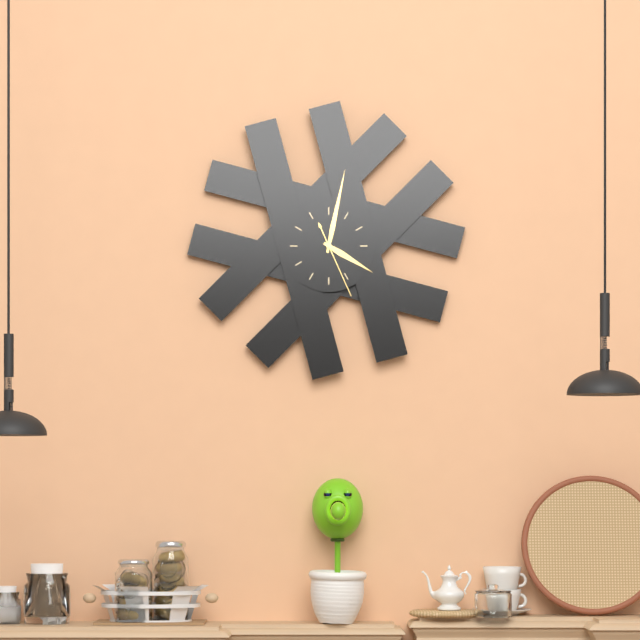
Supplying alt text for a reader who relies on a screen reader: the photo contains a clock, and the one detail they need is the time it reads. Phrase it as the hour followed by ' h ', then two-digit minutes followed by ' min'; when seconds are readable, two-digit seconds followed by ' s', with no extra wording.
4 h 02 min 26 s
